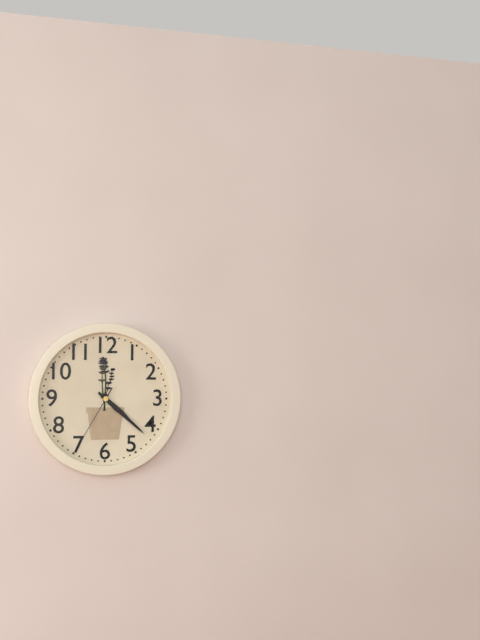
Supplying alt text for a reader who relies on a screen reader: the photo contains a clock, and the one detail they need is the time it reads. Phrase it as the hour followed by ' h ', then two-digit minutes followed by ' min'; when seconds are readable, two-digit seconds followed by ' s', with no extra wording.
4 h 22 min 35 s
